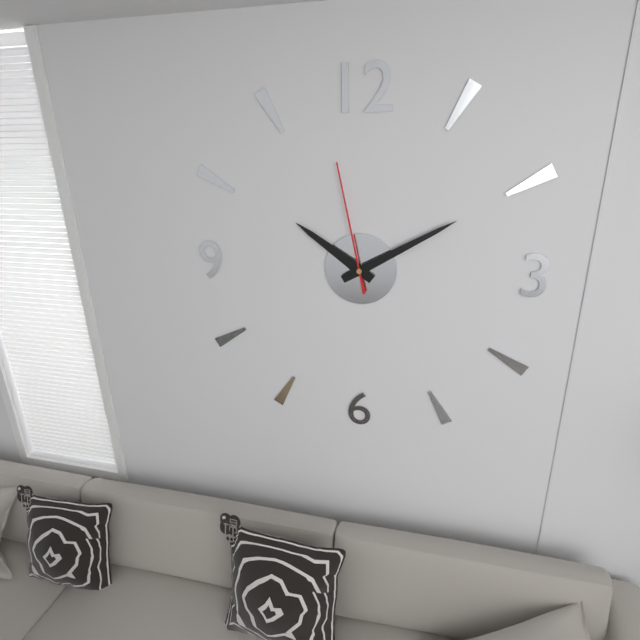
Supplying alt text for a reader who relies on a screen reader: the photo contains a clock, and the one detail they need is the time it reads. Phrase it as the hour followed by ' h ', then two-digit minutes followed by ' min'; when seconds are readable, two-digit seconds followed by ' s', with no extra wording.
10 h 10 min 58 s
